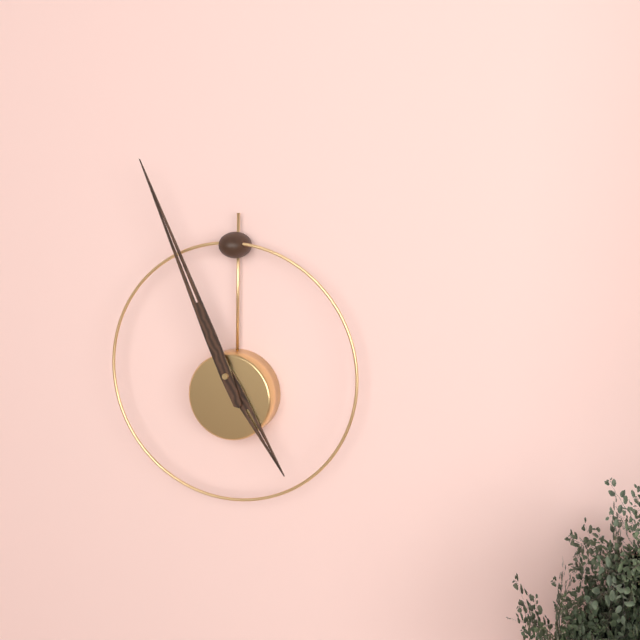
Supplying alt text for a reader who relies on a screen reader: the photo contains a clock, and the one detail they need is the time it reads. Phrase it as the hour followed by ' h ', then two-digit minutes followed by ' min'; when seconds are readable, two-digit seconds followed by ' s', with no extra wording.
4 h 56 min
